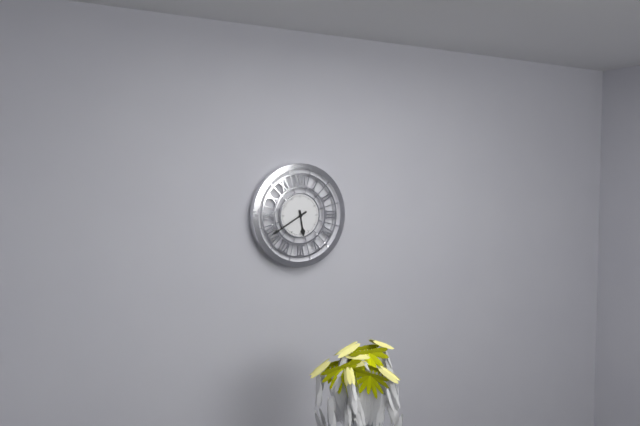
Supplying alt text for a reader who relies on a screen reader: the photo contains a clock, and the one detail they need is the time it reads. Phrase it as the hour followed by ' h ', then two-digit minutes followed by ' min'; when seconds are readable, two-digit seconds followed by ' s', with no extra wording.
5 h 40 min
